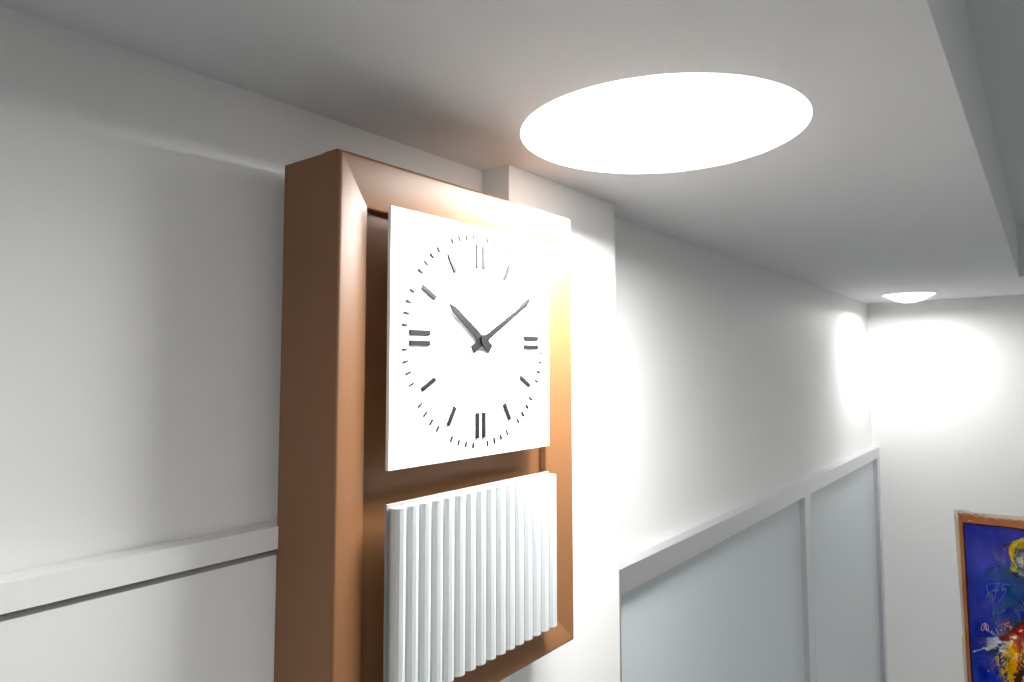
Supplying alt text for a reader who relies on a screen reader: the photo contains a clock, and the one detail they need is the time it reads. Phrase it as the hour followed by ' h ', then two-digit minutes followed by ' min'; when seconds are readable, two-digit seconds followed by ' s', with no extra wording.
10 h 10 min
